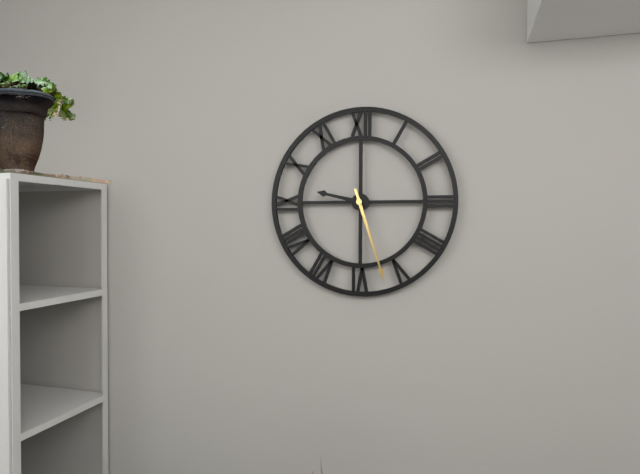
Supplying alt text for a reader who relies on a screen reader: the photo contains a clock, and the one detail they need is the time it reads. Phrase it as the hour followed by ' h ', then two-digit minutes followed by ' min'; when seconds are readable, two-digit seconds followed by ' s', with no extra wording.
9 h 27 min
